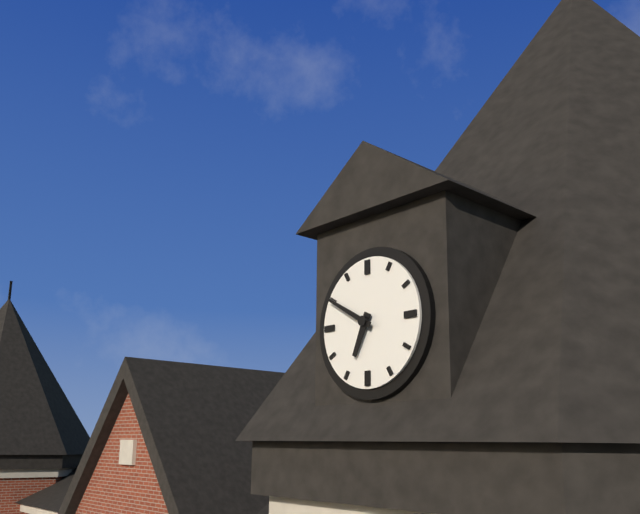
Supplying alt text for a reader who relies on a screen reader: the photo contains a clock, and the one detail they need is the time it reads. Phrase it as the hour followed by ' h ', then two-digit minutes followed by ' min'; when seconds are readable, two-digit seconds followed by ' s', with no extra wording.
6 h 50 min
